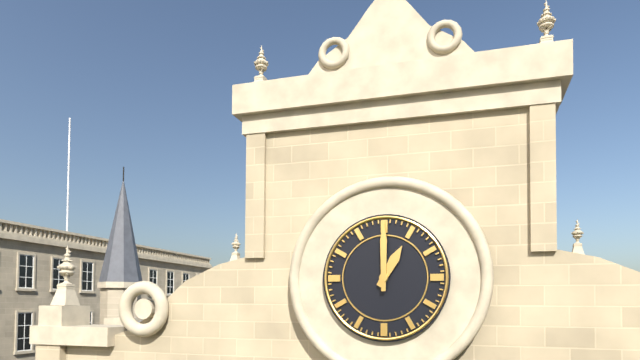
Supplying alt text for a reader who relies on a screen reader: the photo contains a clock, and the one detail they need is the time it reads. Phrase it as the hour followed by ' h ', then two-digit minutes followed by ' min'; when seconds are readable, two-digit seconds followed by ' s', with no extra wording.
1 h 00 min
